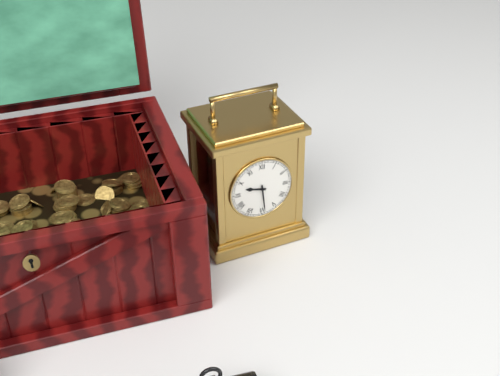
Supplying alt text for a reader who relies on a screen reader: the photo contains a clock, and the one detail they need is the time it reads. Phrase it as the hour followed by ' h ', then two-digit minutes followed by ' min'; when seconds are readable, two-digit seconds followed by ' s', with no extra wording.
9 h 29 min
